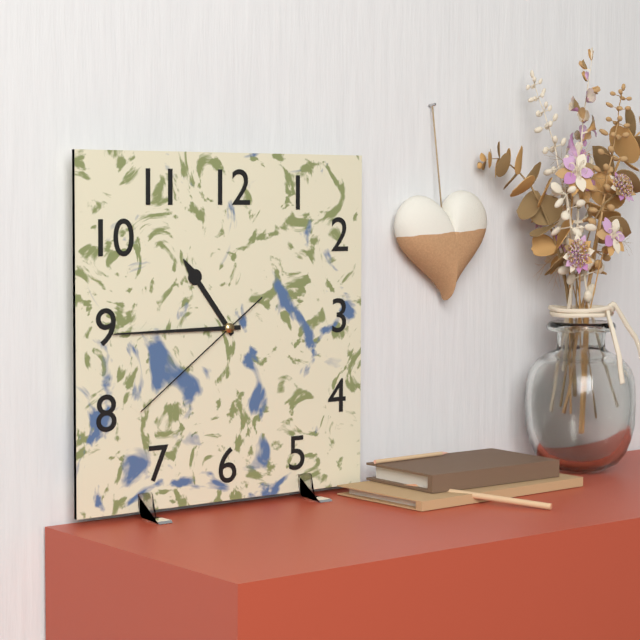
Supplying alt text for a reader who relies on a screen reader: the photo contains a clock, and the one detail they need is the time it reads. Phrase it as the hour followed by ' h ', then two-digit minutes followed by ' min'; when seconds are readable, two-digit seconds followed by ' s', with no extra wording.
10 h 45 min 39 s
